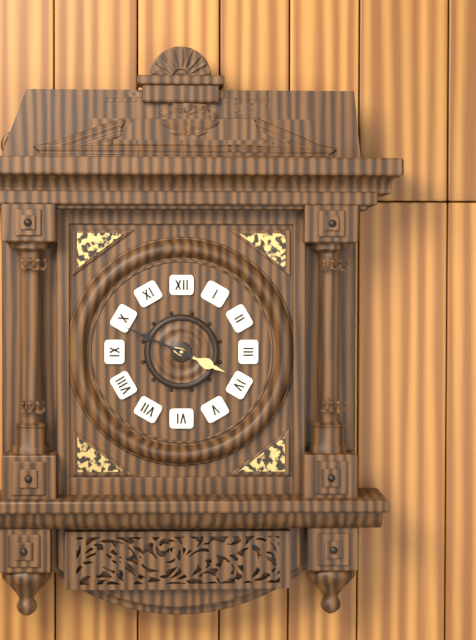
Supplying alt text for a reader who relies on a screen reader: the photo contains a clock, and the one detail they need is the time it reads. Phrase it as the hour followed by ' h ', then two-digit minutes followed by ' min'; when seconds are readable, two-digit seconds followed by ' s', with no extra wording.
3 h 49 min
